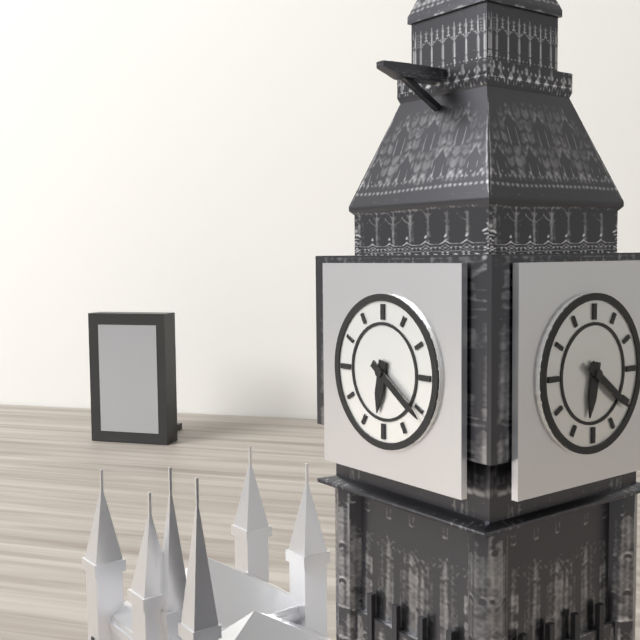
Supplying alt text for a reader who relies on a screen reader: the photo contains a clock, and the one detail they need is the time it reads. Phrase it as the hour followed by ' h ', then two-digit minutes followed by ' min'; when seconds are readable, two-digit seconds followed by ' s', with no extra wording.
6 h 21 min
